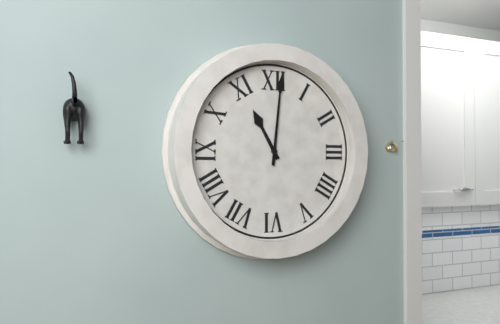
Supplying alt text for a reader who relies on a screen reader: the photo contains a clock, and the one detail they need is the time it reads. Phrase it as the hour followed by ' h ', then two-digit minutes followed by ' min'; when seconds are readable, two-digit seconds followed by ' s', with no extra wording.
11 h 01 min
